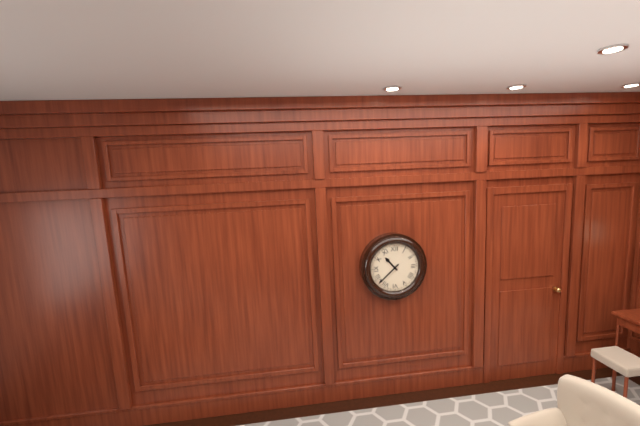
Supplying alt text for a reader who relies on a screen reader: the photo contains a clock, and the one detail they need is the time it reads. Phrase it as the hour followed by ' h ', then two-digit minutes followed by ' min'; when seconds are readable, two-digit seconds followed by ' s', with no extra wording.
10 h 38 min
